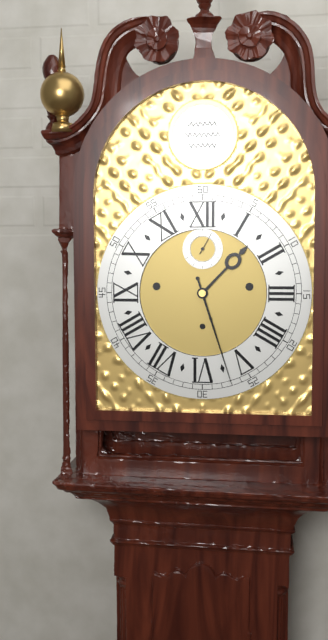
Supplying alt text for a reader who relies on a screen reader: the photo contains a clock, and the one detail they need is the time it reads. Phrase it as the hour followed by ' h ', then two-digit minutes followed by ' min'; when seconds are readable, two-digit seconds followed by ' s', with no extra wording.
1 h 27 min
